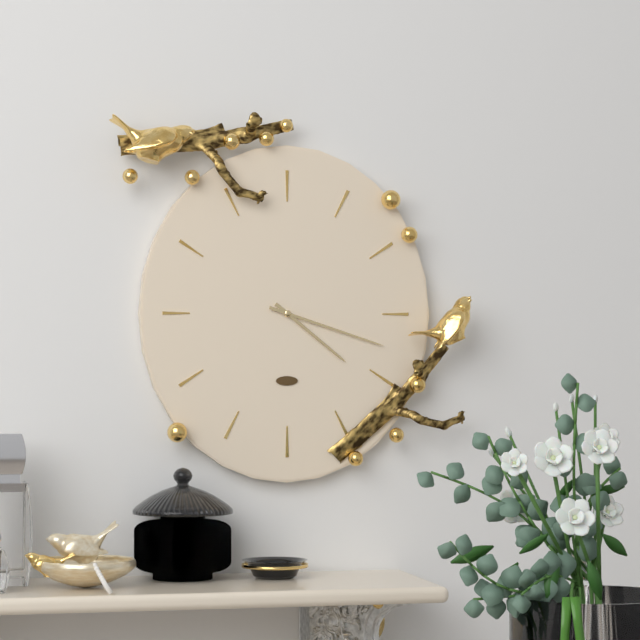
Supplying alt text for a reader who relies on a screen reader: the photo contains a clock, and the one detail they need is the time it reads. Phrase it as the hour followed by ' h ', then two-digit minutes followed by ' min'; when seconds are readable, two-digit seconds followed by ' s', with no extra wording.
4 h 18 min
